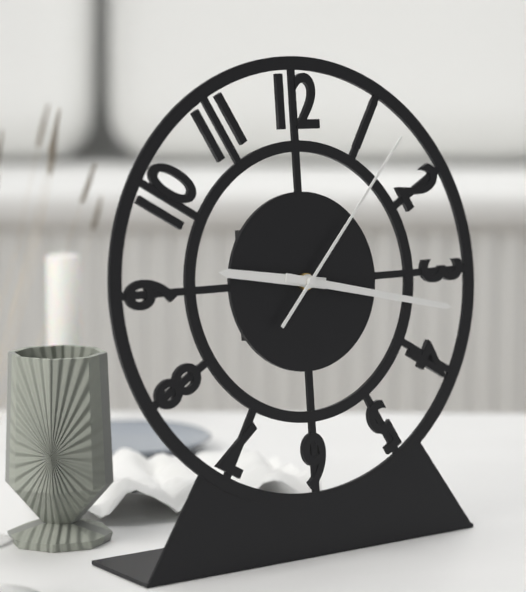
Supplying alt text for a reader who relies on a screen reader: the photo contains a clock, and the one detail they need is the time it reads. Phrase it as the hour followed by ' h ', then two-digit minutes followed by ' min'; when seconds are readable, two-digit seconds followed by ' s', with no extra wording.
9 h 17 min 07 s
